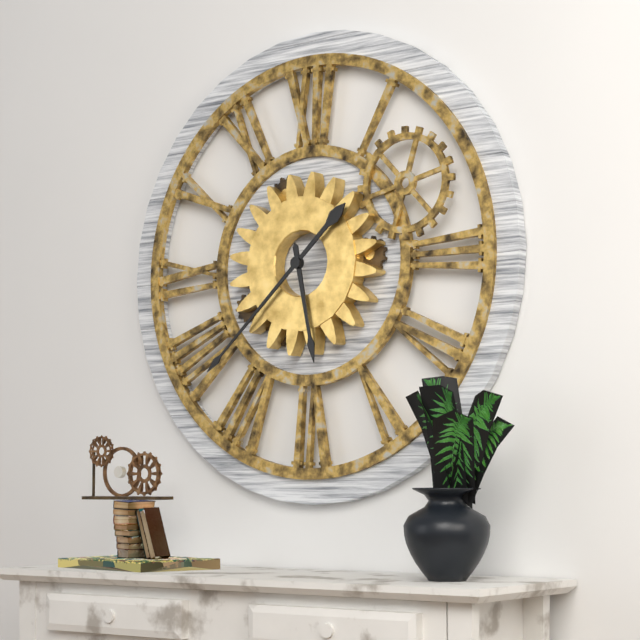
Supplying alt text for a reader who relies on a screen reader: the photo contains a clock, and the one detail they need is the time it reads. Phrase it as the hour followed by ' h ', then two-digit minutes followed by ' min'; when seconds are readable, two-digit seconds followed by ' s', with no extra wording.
5 h 38 min
